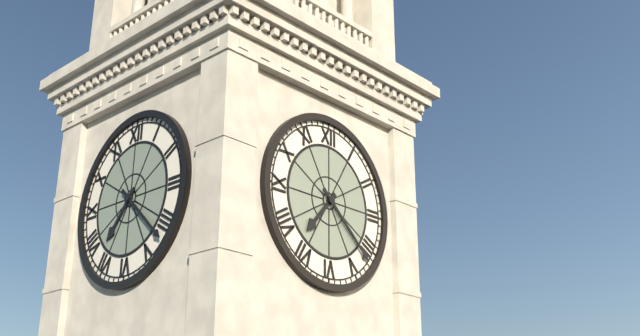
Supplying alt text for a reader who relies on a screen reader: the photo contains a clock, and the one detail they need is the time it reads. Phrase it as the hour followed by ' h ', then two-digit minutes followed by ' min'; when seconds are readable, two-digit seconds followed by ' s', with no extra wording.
7 h 22 min
